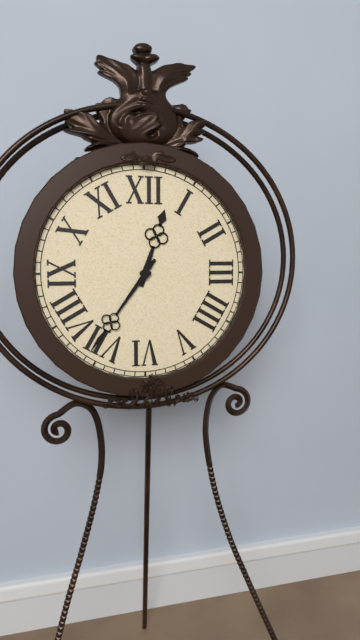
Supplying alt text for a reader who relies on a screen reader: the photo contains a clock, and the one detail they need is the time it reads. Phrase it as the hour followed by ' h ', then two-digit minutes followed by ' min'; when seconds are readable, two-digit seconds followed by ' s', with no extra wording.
12 h 36 min
